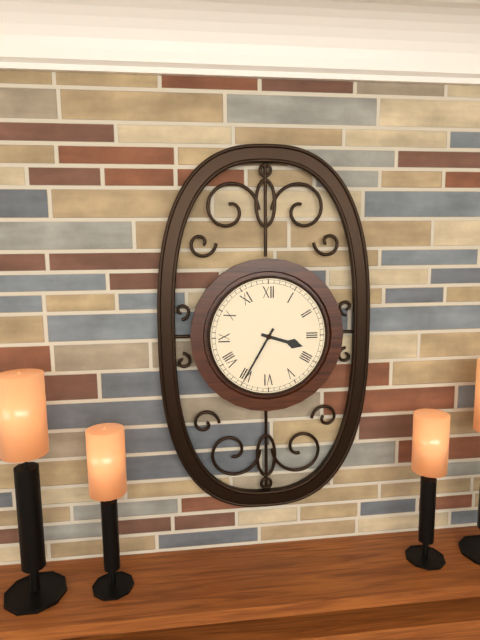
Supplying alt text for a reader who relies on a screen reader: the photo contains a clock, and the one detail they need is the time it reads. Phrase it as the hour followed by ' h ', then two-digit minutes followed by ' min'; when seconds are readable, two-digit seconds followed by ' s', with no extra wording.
3 h 35 min
